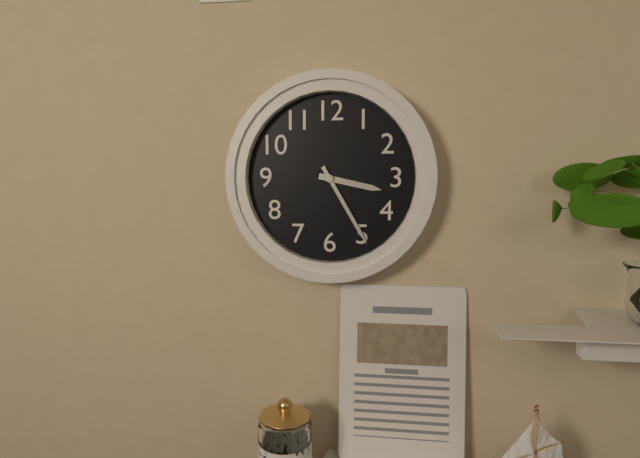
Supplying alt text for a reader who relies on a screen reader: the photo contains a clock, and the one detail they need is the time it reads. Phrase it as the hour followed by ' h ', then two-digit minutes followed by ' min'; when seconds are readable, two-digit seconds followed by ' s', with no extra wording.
3 h 25 min
